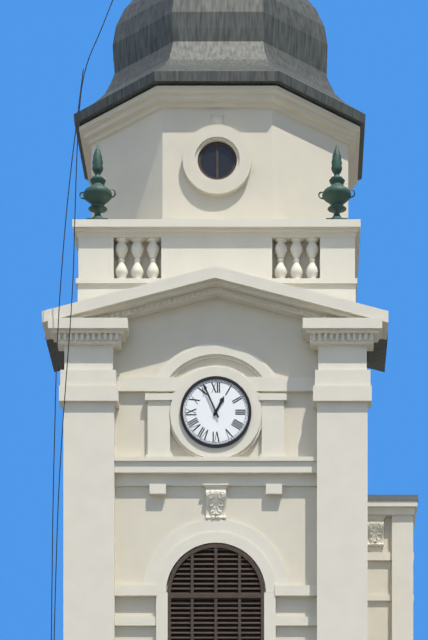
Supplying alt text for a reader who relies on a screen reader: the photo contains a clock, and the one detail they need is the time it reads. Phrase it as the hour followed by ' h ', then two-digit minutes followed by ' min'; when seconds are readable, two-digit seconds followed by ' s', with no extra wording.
12 h 56 min
